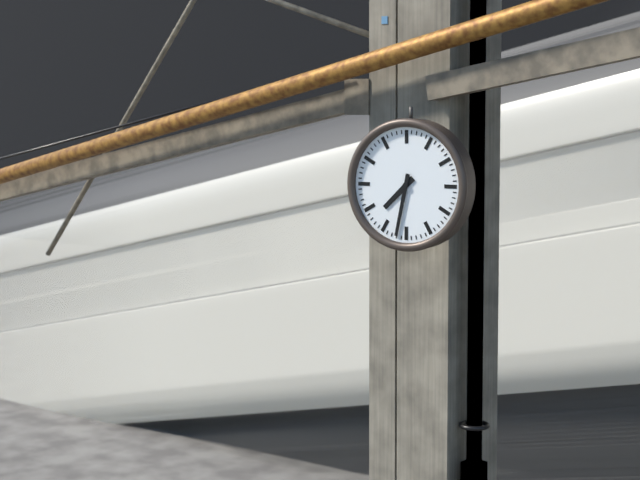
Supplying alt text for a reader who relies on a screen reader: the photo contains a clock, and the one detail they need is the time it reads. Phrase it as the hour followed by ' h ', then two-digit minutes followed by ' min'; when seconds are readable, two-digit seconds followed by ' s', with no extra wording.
7 h 32 min
